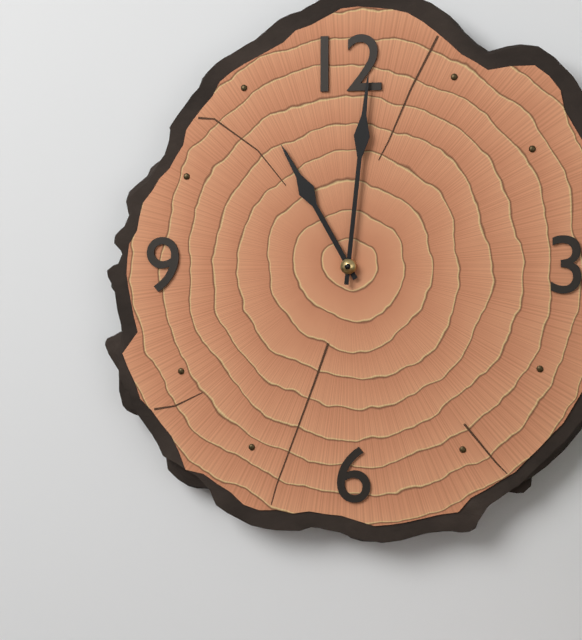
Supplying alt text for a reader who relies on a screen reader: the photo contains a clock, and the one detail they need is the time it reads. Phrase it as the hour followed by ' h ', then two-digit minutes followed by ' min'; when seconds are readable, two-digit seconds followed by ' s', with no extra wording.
11 h 01 min
